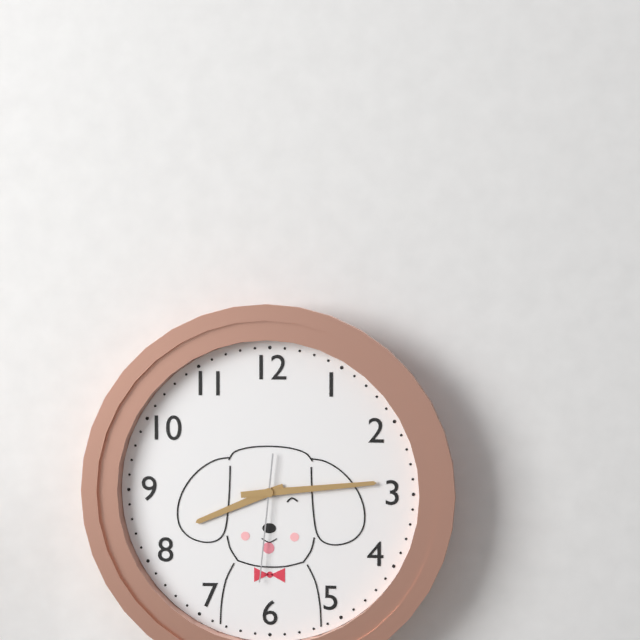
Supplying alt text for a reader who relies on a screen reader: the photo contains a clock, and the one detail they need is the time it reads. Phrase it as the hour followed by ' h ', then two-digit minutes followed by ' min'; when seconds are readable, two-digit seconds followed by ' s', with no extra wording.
8 h 14 min 31 s
